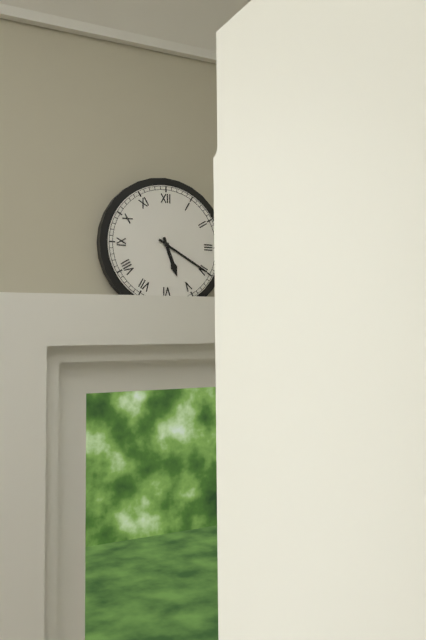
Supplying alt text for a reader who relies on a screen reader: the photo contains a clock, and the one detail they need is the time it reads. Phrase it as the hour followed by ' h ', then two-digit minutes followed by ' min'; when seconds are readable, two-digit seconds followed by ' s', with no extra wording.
5 h 20 min
